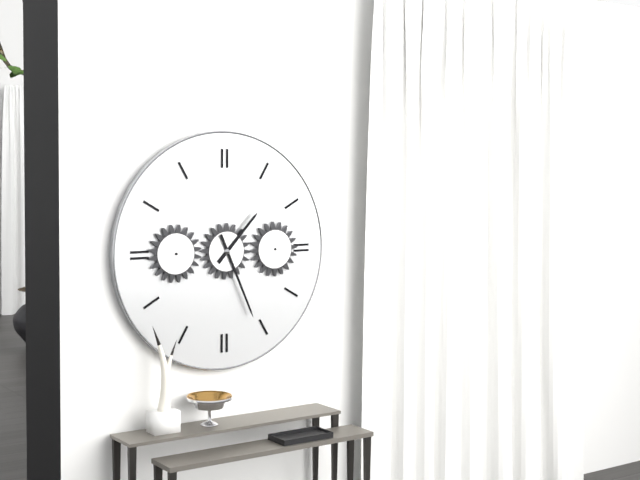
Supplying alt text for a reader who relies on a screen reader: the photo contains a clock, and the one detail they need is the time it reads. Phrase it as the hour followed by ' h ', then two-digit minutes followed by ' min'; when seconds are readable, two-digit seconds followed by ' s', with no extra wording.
1 h 26 min
